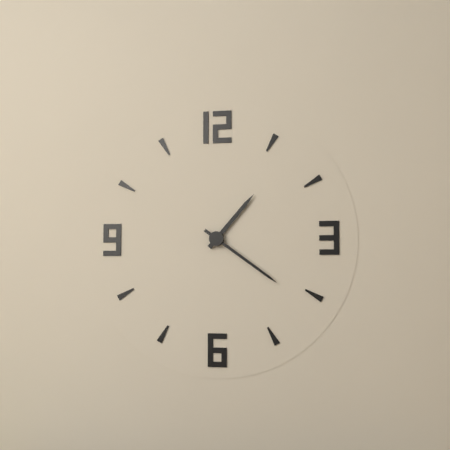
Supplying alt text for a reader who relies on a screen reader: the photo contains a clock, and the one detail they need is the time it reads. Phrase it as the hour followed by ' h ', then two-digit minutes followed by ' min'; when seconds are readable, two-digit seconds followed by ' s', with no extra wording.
1 h 21 min
